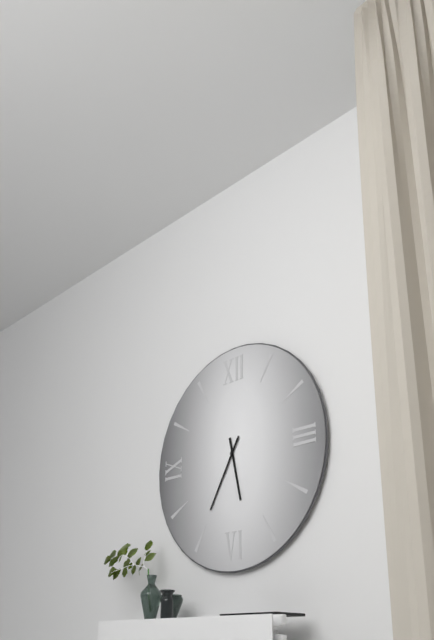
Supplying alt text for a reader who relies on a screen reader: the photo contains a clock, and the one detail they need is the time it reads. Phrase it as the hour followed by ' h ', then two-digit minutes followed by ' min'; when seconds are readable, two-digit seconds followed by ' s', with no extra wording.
5 h 35 min
